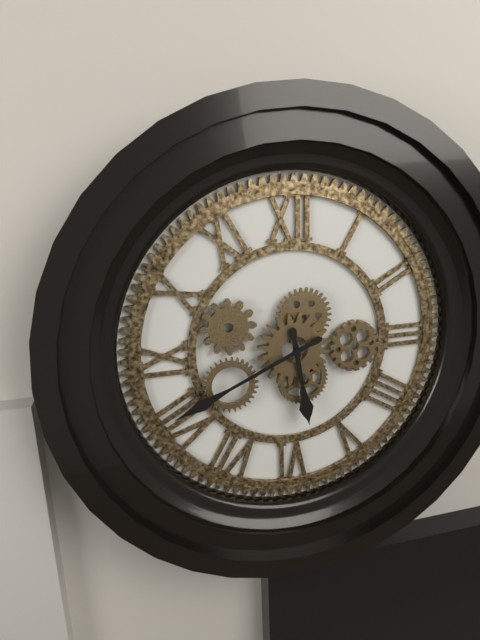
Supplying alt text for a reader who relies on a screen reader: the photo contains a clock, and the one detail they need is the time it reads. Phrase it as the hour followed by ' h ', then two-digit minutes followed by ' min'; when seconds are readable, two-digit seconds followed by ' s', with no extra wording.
5 h 41 min
